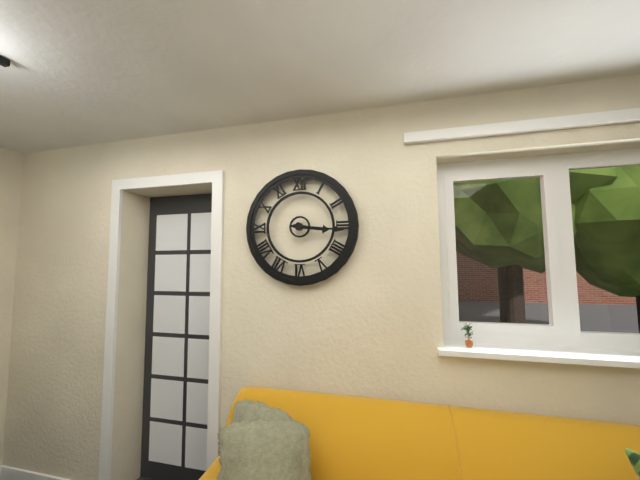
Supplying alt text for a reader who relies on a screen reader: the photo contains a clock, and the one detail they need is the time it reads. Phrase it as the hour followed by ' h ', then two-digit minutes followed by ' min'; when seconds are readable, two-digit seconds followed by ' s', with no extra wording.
3 h 16 min
